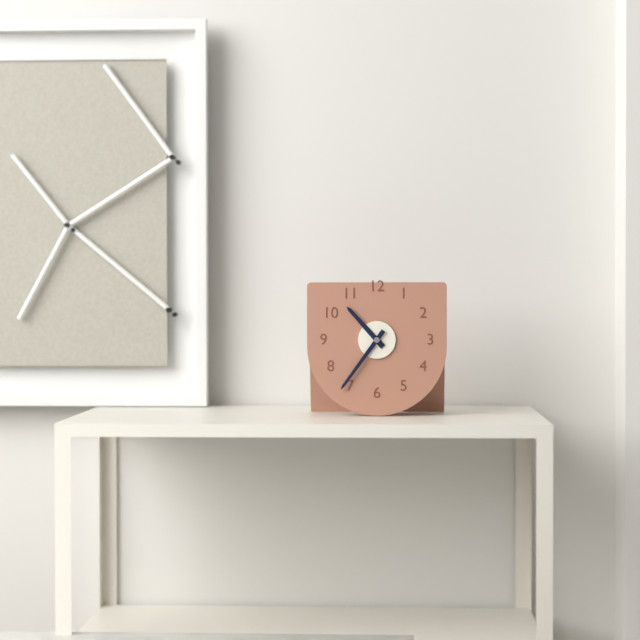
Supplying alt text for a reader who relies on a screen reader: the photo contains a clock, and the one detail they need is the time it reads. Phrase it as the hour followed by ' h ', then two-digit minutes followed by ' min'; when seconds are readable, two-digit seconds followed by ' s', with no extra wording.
10 h 36 min
